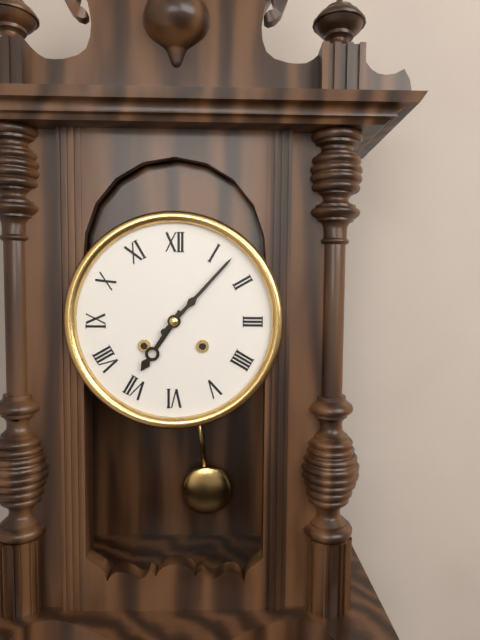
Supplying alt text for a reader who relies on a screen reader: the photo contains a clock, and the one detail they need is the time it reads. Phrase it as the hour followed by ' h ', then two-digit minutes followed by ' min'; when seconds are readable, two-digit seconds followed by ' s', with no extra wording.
7 h 07 min
